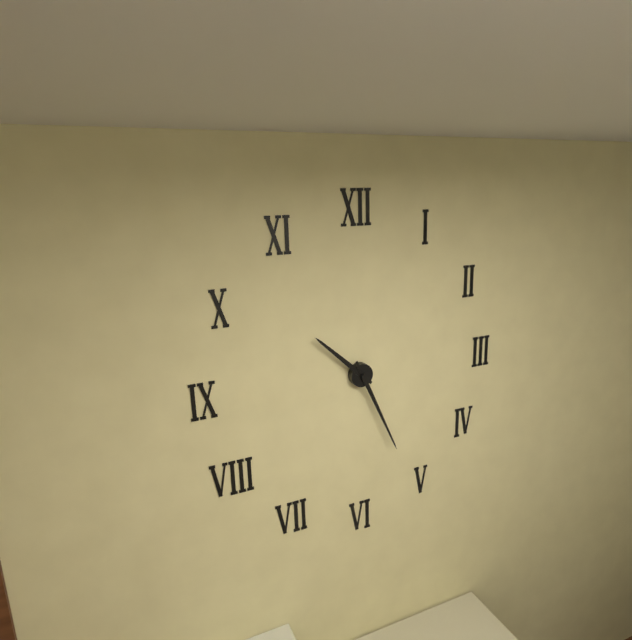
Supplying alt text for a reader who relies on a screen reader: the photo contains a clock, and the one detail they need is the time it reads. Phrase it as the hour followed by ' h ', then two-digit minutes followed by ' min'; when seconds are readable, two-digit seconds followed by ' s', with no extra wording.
10 h 26 min
